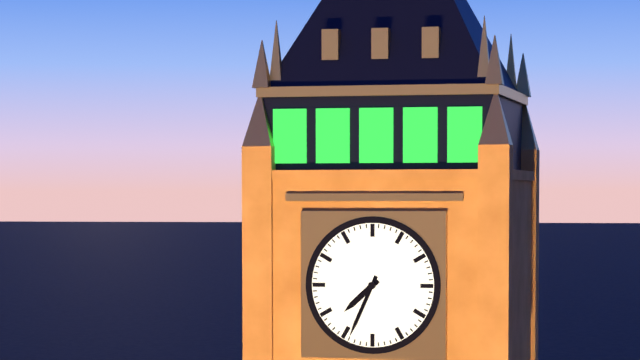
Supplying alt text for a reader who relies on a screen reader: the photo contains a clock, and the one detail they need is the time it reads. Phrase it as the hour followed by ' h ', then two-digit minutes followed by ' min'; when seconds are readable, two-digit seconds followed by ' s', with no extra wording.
7 h 34 min
